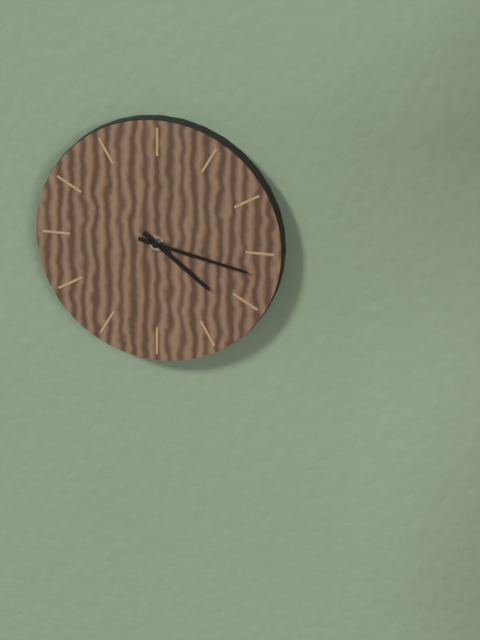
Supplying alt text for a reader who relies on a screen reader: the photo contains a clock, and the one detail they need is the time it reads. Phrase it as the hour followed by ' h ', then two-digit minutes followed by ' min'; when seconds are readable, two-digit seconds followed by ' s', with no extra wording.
4 h 17 min
